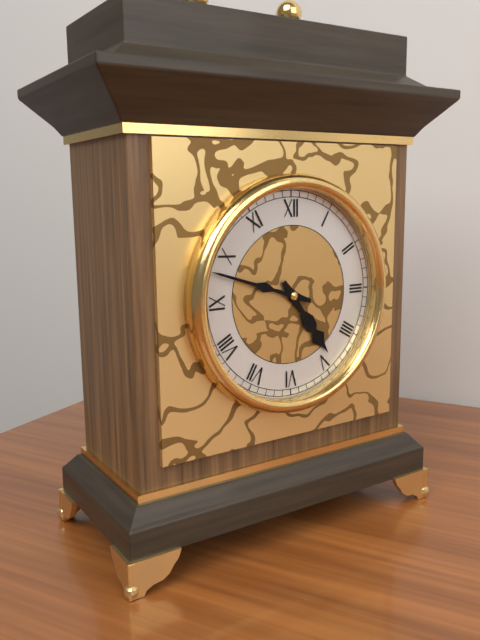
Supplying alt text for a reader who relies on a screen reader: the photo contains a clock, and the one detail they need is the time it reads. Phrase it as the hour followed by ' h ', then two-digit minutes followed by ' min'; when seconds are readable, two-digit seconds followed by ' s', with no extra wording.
4 h 48 min
